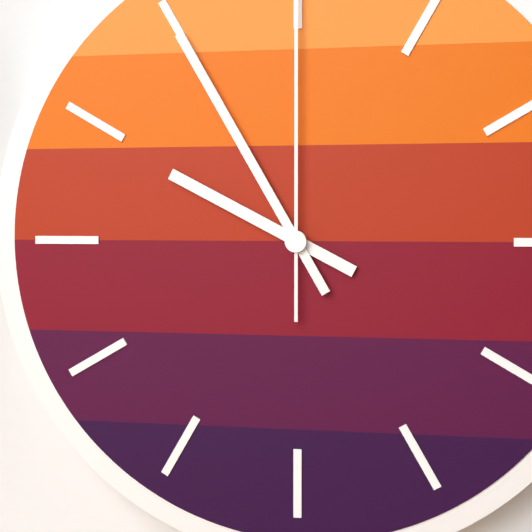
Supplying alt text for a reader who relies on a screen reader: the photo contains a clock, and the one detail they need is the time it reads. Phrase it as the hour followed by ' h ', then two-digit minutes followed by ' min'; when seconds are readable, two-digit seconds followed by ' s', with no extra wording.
9 h 55 min
